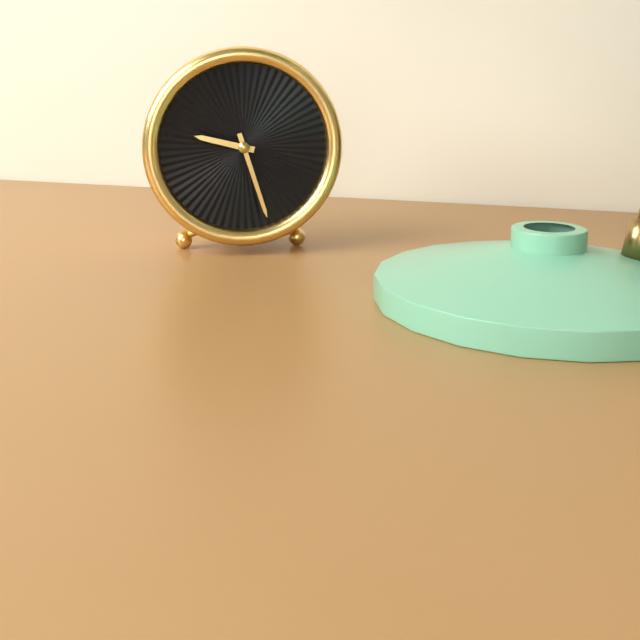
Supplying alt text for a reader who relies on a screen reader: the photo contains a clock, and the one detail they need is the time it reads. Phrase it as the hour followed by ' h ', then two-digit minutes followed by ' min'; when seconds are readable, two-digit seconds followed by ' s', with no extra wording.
9 h 27 min
